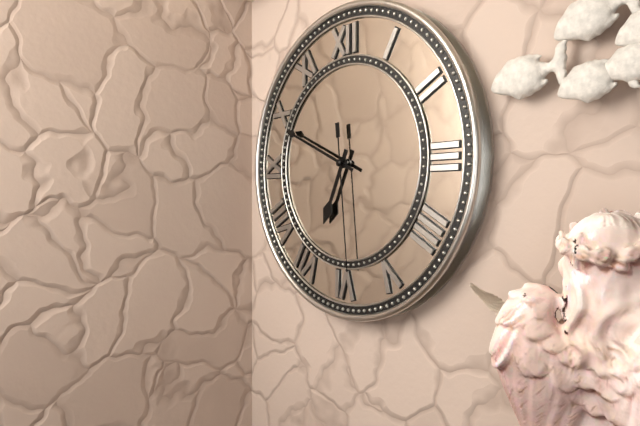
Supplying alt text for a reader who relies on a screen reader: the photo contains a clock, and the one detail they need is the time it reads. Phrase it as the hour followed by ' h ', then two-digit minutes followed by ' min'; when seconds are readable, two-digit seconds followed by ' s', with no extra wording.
6 h 49 min 29 s
